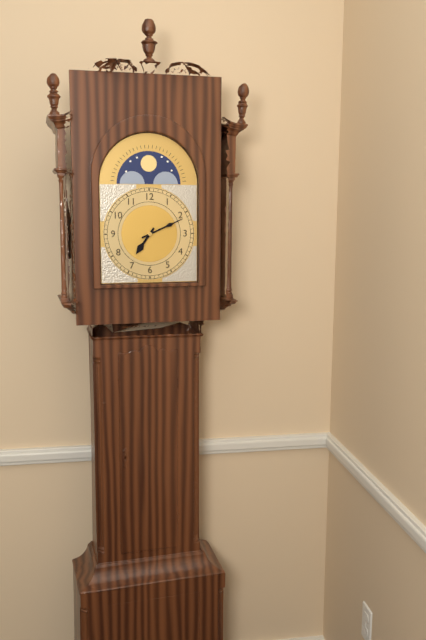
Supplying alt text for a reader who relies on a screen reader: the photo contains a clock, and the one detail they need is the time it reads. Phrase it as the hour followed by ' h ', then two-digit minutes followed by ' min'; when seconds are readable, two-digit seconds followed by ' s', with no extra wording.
7 h 11 min
